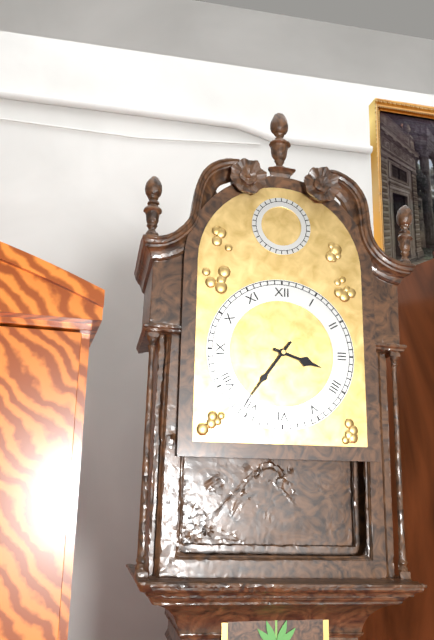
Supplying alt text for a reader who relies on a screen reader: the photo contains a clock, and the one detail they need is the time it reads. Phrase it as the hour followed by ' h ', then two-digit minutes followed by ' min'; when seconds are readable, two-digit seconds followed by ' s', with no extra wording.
3 h 36 min
